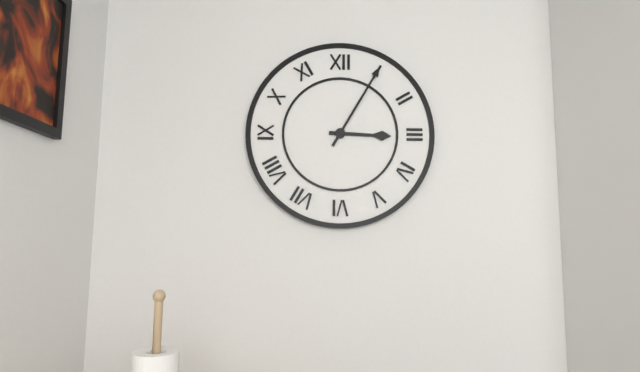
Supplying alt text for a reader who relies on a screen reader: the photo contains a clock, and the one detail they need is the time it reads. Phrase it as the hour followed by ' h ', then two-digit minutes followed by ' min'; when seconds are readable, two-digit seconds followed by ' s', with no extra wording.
3 h 05 min
